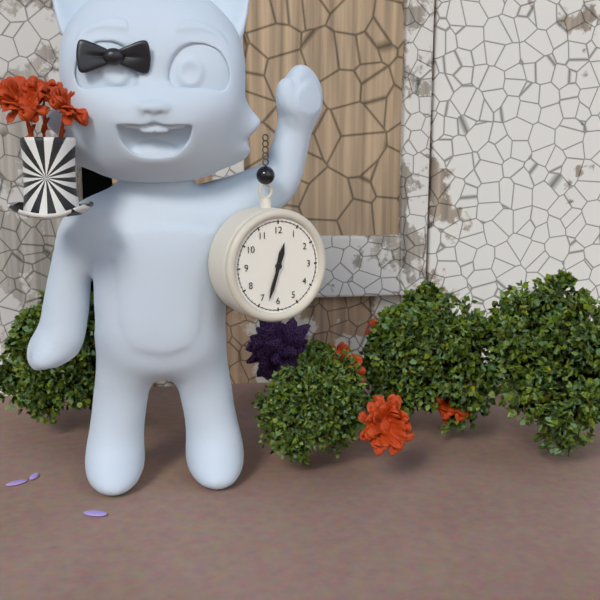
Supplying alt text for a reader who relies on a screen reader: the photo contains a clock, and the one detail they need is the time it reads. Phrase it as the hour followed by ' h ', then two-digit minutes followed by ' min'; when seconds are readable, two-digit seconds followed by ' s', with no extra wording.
12 h 33 min
